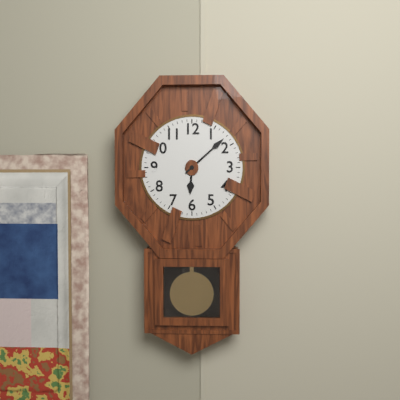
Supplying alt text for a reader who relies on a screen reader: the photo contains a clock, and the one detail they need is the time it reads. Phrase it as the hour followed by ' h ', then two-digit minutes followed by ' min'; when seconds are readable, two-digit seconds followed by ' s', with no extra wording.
6 h 08 min
